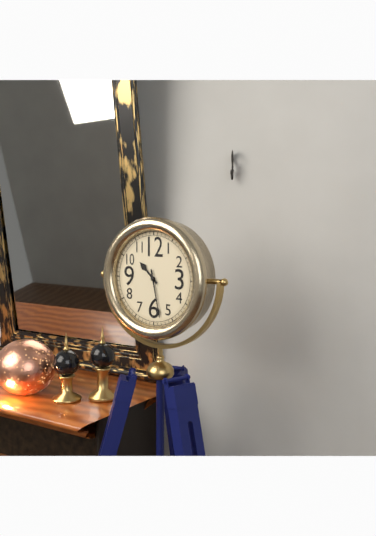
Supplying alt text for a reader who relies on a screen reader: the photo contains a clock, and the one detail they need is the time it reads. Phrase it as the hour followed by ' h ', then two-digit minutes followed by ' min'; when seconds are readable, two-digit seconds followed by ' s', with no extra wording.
10 h 28 min
